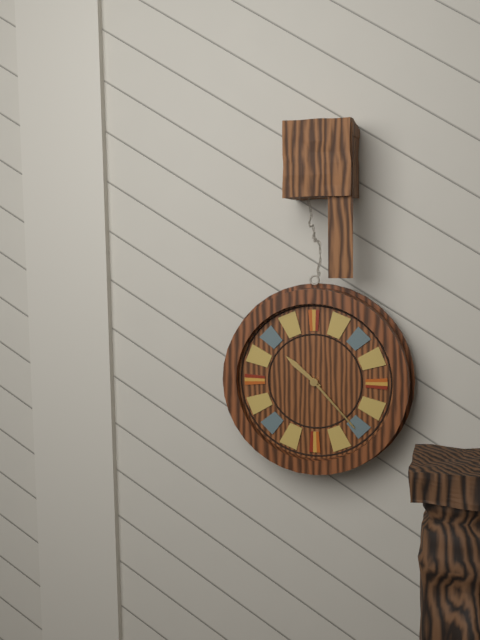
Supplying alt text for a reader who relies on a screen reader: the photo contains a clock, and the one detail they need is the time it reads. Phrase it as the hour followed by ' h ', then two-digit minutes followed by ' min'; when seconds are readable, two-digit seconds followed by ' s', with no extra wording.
10 h 23 min
